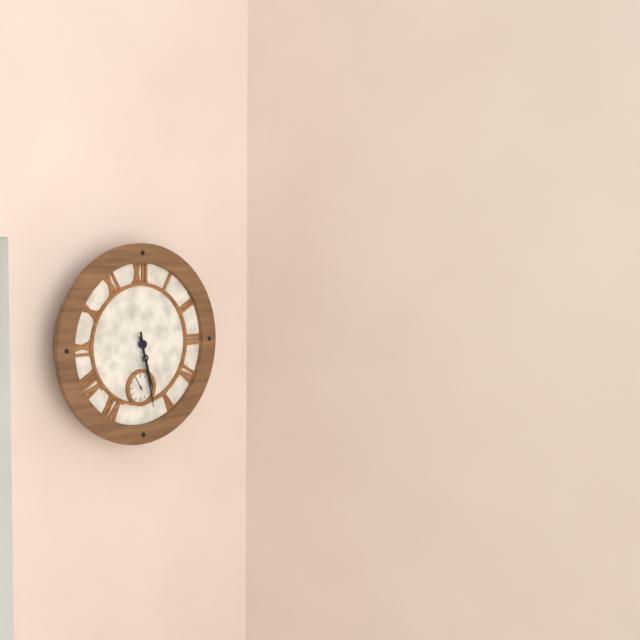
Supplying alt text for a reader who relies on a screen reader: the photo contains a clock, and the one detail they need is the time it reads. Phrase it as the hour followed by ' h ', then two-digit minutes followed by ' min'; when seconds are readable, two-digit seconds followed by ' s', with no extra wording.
5 h 28 min
